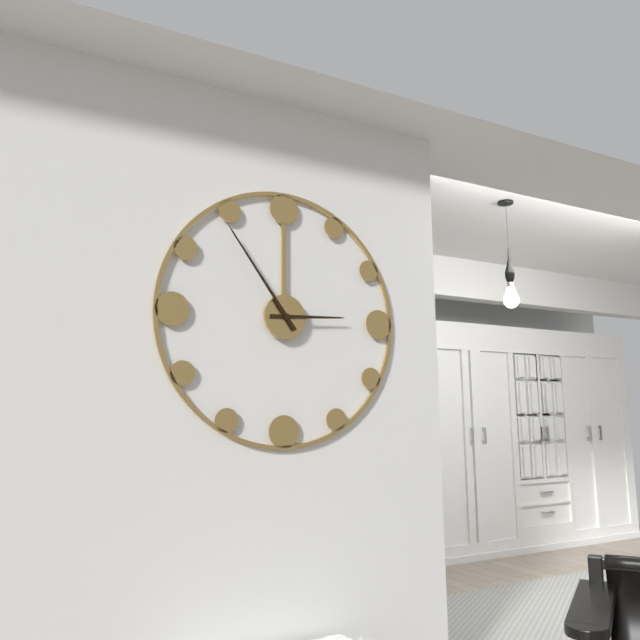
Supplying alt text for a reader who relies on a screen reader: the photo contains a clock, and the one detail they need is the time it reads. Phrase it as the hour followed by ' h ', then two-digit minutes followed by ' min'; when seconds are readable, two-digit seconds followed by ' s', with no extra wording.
2 h 54 min
